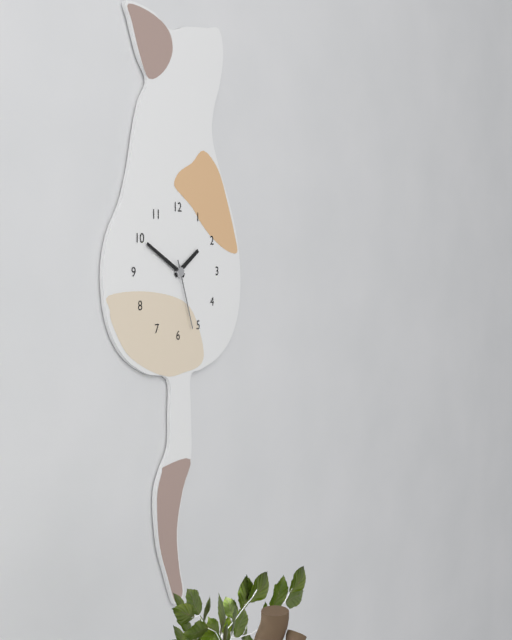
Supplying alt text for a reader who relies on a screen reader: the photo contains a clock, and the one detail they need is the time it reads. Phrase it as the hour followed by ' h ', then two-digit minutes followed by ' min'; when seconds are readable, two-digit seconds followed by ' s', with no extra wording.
1 h 50 min 27 s
